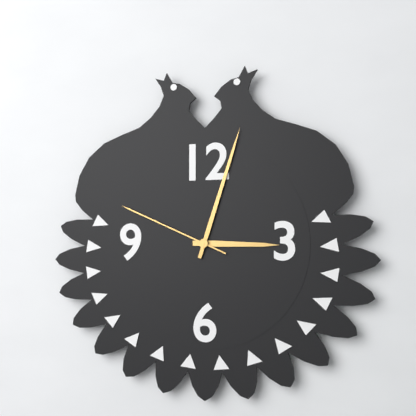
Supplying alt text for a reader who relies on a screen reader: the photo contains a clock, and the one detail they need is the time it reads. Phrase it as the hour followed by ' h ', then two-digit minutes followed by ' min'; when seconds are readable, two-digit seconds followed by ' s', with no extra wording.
3 h 03 min 49 s
